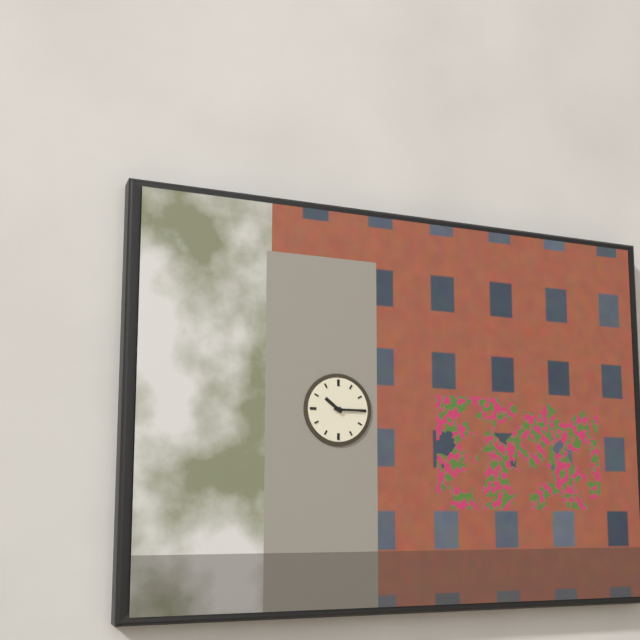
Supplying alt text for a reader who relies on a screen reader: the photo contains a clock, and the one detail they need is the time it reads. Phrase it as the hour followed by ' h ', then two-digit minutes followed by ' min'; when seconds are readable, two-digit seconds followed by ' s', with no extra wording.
10 h 15 min
